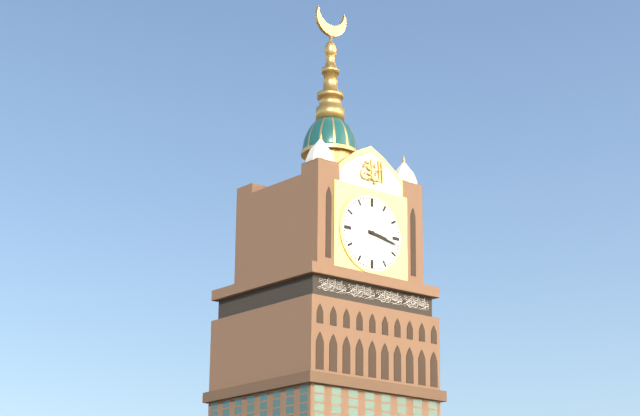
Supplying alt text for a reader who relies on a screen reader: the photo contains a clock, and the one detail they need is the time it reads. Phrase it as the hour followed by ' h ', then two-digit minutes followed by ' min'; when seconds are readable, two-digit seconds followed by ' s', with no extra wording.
3 h 17 min
